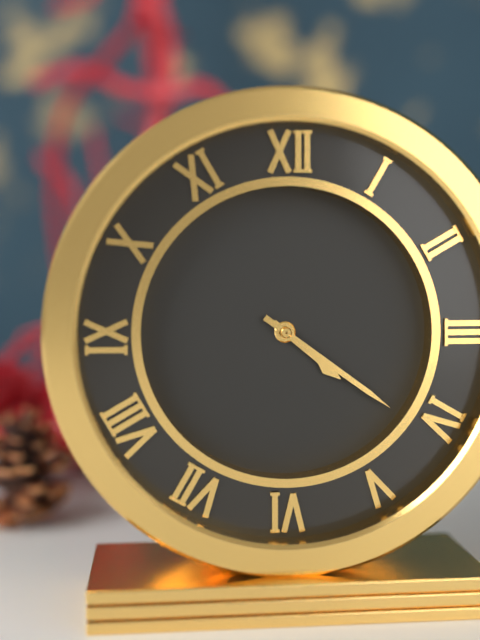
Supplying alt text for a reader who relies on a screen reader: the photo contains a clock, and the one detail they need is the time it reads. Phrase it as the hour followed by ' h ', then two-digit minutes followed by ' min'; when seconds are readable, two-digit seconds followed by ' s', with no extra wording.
4 h 21 min
